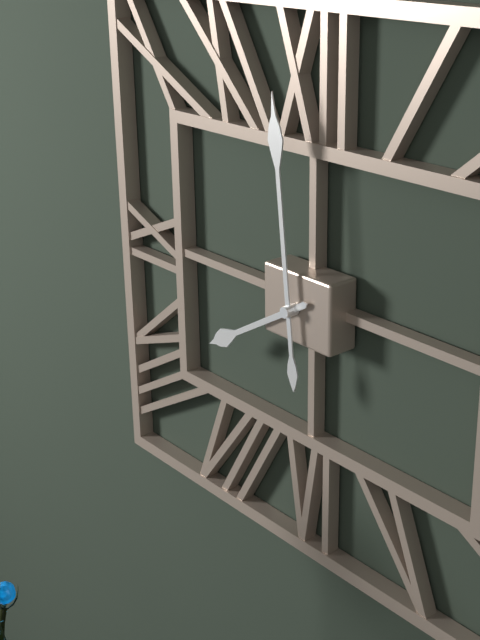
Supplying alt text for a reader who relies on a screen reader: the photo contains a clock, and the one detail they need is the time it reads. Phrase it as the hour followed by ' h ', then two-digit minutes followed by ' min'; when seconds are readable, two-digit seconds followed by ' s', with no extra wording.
7 h 59 min
